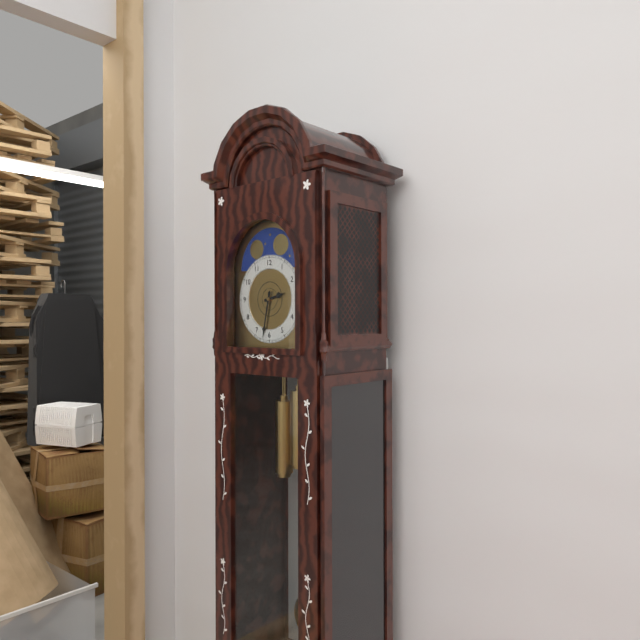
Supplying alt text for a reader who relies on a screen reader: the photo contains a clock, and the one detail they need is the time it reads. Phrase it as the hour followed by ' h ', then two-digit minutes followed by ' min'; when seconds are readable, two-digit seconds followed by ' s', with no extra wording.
2 h 32 min
